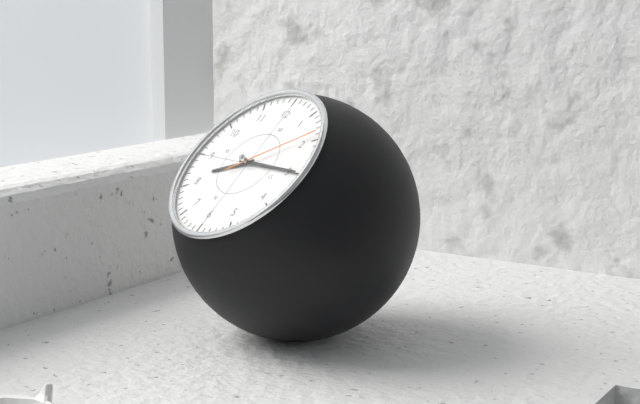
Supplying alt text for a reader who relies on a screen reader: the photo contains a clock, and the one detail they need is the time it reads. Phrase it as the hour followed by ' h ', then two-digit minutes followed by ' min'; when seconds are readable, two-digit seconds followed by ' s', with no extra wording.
8 h 15 min 09 s
